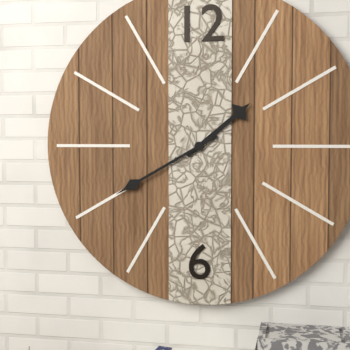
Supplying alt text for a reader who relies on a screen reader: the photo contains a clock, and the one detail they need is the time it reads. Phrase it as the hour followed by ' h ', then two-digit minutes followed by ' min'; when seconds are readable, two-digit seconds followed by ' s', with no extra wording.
1 h 40 min
